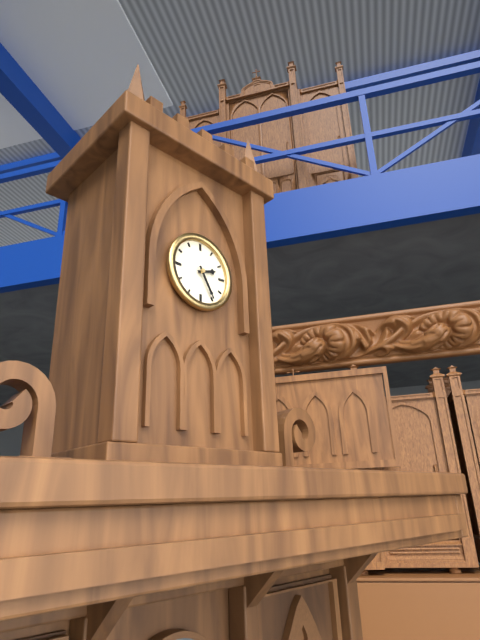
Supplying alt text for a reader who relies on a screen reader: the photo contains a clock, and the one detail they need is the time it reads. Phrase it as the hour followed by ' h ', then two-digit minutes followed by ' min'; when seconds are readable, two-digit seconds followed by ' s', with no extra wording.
2 h 25 min
